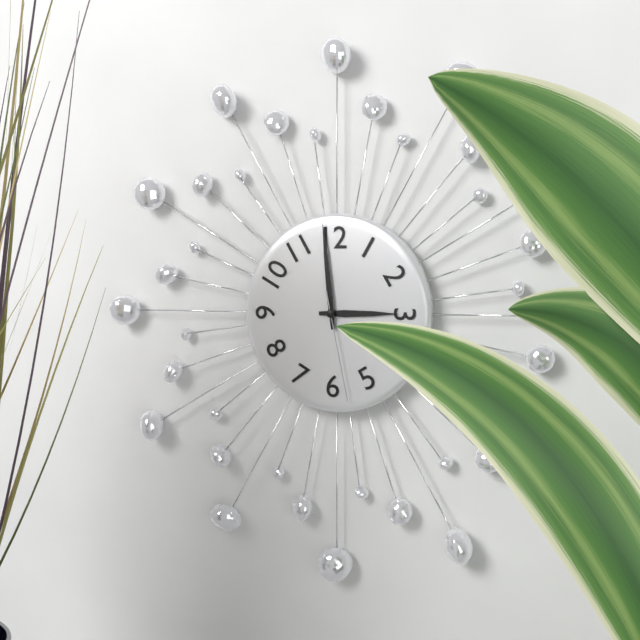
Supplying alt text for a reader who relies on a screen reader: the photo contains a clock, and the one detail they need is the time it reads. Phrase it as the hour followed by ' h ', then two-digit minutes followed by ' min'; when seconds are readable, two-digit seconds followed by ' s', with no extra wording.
2 h 59 min 28 s
